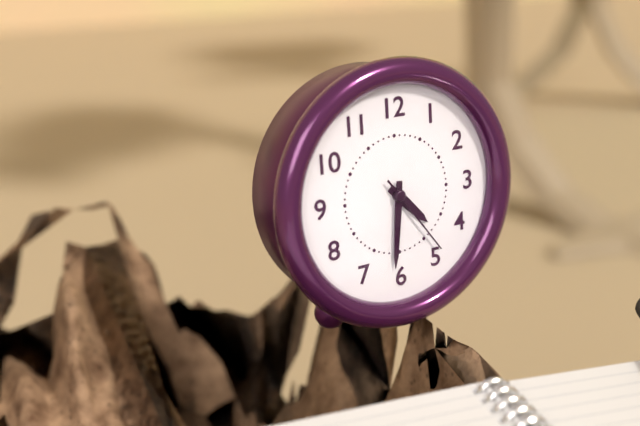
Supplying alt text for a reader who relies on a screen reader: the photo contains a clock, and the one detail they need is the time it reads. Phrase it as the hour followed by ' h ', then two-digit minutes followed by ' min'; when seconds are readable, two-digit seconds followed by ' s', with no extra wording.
4 h 31 min 24 s
